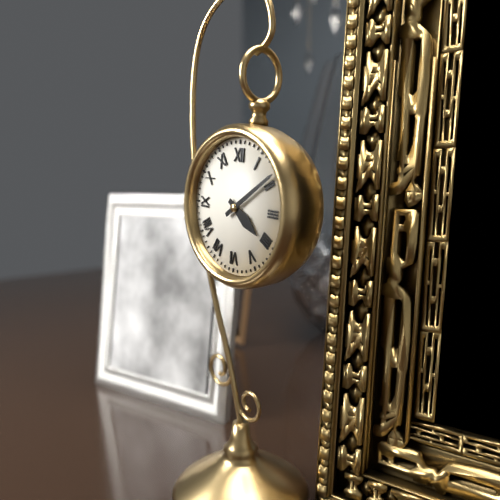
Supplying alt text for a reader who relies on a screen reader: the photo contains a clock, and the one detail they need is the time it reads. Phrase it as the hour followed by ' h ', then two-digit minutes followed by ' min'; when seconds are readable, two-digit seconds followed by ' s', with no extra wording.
4 h 09 min
